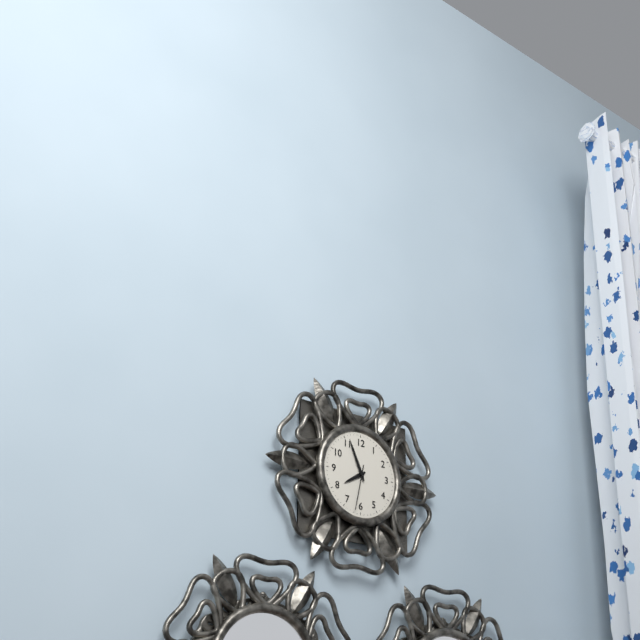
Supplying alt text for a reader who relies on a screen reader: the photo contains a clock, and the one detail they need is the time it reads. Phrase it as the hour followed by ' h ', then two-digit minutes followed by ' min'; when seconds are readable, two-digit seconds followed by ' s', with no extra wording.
7 h 56 min
